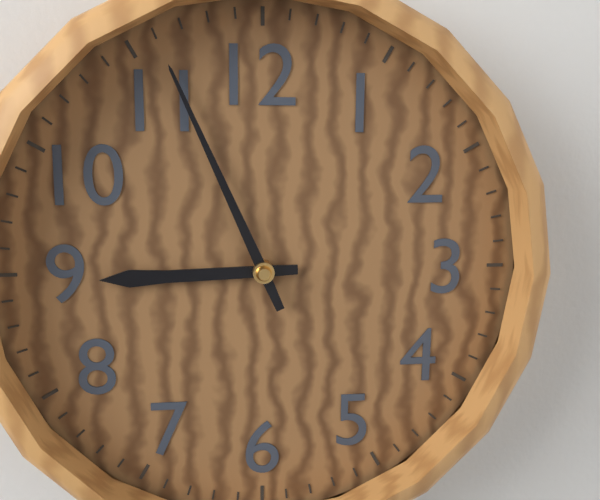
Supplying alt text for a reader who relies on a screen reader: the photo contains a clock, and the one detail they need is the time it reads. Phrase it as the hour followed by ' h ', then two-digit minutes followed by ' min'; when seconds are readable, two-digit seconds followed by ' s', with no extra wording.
8 h 56 min
